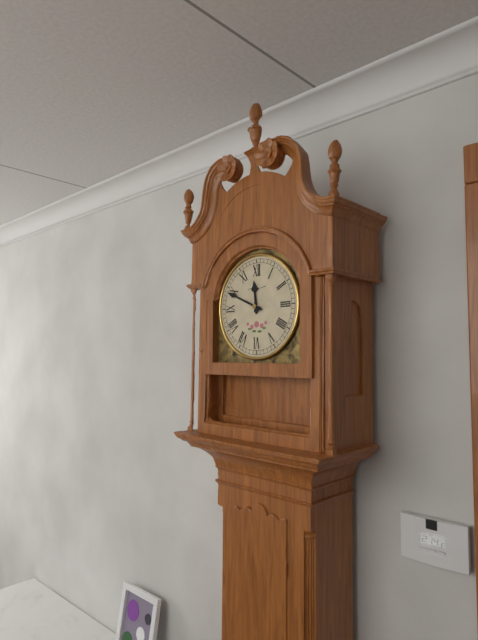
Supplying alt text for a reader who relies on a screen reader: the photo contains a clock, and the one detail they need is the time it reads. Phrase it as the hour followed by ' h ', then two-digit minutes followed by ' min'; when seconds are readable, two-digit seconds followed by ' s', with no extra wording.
11 h 49 min
